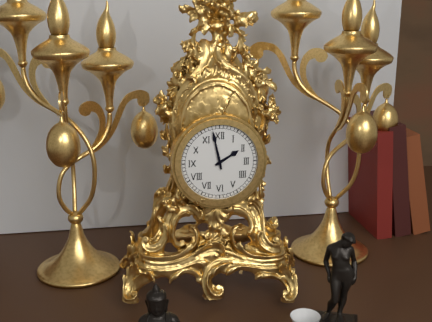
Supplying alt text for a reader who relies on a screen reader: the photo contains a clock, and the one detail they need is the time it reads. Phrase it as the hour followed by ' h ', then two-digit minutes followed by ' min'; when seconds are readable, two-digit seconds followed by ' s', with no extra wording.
1 h 58 min
